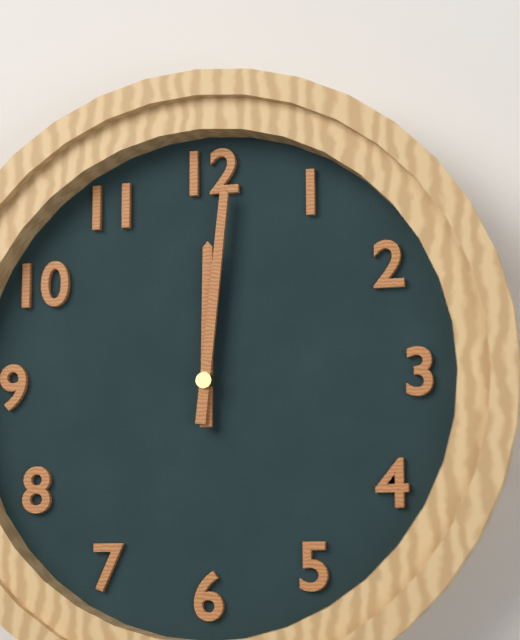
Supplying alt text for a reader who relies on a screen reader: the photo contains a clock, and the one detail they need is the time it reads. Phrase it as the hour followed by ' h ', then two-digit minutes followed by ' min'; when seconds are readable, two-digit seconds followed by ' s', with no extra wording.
12 h 01 min
